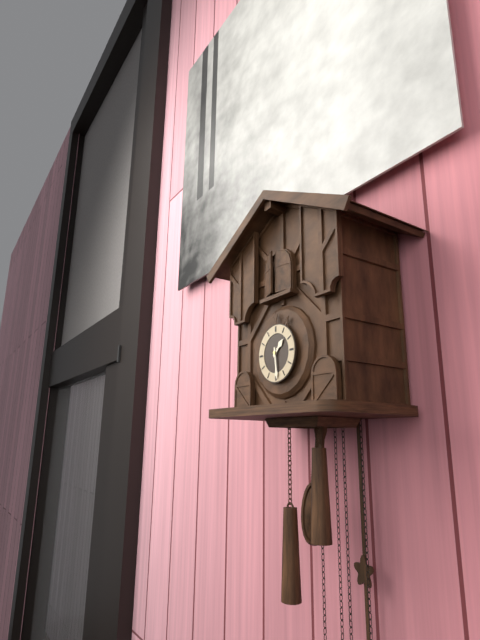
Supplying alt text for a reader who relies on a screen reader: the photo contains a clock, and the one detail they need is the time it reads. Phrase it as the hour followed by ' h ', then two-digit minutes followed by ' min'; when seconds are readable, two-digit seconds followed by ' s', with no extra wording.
1 h 29 min
